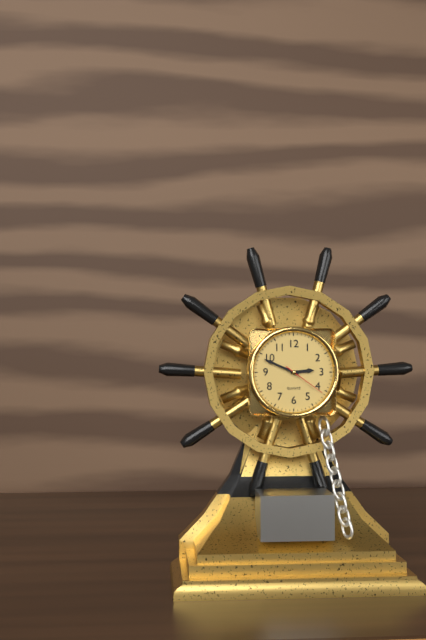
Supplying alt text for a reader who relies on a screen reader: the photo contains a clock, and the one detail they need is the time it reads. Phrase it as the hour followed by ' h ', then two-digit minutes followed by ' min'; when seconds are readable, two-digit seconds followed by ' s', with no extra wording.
2 h 49 min
